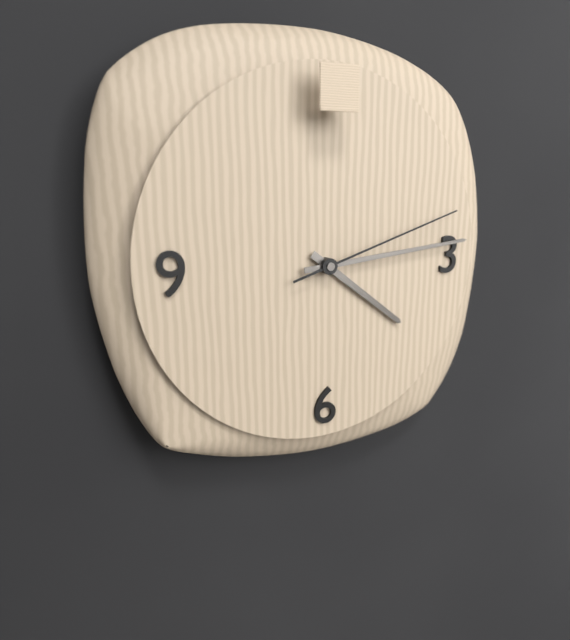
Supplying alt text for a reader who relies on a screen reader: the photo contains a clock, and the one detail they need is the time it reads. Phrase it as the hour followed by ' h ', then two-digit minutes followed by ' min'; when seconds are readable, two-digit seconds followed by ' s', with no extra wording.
4 h 14 min 12 s
